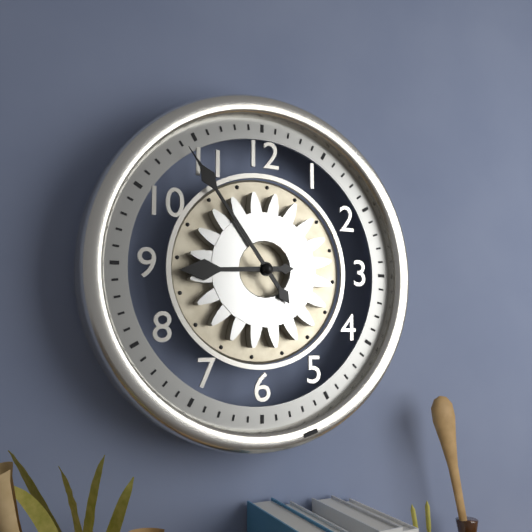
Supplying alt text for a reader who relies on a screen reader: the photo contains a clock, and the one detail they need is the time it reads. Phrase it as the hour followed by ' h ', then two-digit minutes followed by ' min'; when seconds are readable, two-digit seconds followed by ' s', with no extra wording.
8 h 54 min
